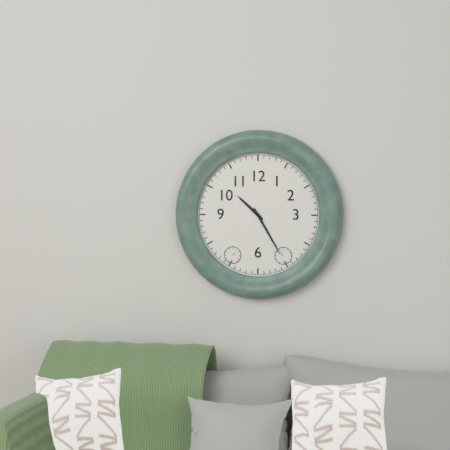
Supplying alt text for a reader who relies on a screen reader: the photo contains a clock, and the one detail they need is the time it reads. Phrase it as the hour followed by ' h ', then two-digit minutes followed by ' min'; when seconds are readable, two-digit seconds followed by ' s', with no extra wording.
10 h 25 min
